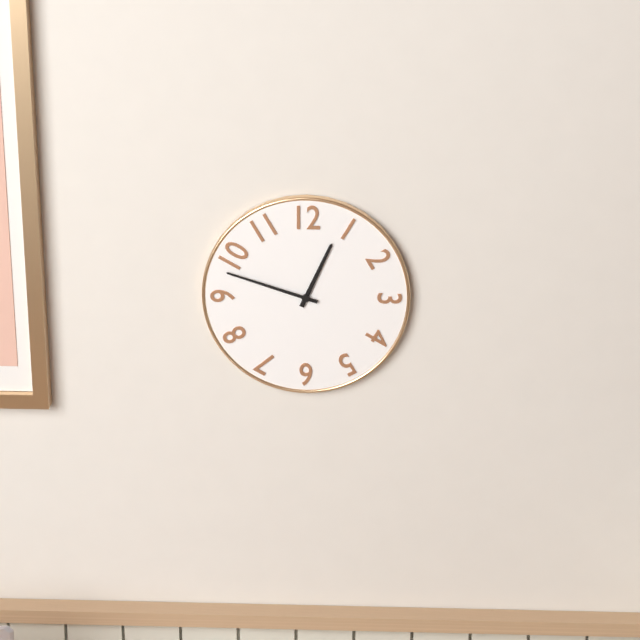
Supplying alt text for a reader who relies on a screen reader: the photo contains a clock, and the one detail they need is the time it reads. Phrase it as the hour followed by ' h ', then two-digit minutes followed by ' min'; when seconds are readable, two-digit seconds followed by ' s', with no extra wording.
12 h 48 min
